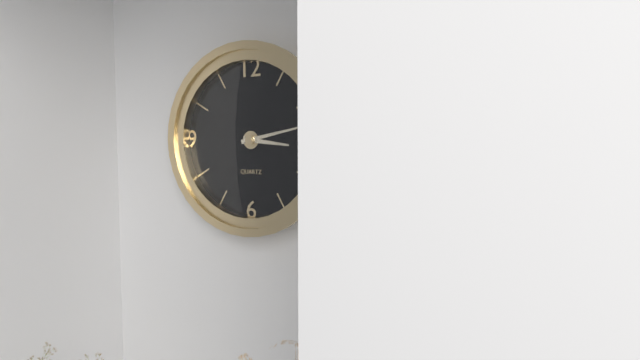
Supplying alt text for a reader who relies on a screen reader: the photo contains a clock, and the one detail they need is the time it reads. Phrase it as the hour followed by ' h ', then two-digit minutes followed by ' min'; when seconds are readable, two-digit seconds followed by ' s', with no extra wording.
3 h 13 min
